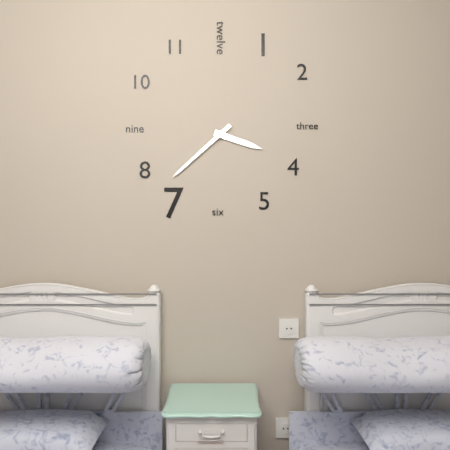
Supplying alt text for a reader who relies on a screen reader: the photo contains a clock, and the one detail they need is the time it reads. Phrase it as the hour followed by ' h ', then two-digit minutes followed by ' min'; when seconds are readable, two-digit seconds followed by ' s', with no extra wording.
3 h 38 min
